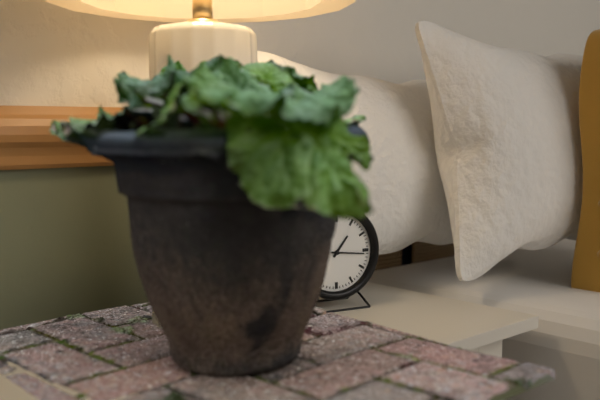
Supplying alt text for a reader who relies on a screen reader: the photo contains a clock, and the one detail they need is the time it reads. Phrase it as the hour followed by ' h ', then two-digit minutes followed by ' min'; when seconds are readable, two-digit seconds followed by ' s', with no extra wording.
1 h 16 min
